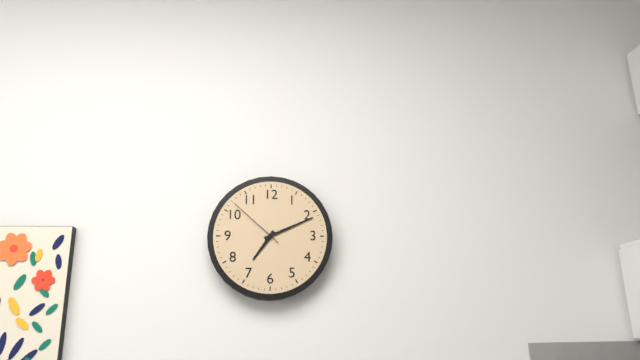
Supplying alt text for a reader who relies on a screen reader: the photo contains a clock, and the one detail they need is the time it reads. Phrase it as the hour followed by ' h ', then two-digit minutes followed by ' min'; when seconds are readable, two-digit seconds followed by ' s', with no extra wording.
7 h 11 min 52 s
